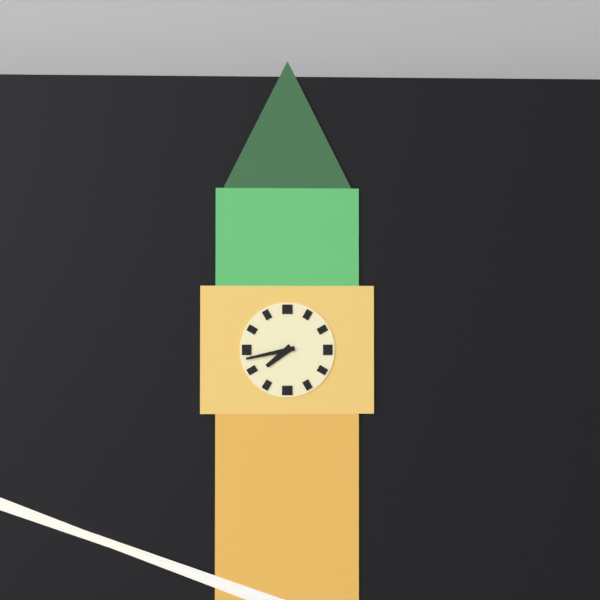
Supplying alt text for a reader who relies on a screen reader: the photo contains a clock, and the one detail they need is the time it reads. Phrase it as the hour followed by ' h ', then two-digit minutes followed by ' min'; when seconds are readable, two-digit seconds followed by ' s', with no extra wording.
7 h 43 min
